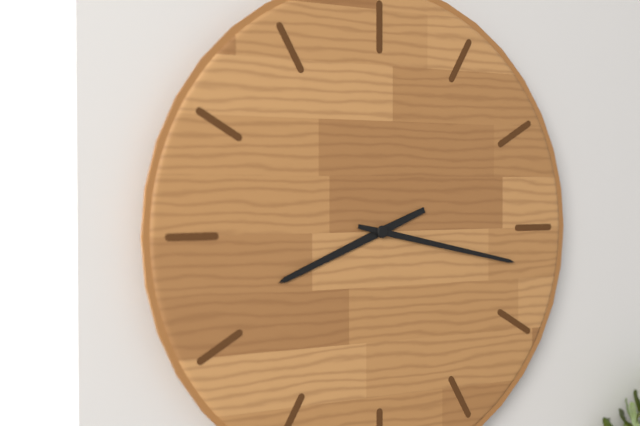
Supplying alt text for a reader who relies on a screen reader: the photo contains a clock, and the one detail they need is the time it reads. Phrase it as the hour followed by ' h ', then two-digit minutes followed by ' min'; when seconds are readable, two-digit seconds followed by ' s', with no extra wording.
8 h 17 min
